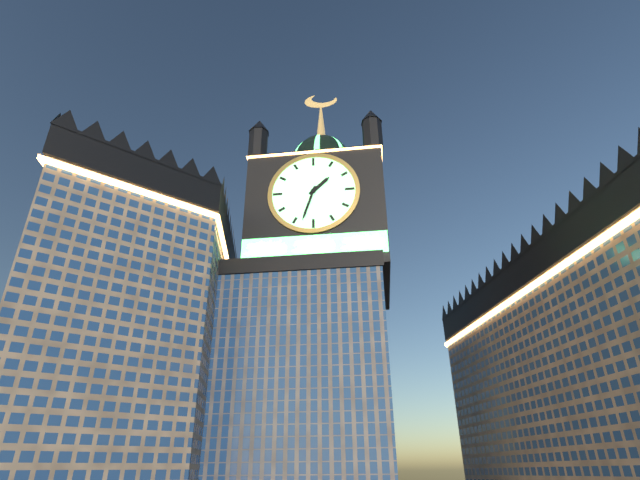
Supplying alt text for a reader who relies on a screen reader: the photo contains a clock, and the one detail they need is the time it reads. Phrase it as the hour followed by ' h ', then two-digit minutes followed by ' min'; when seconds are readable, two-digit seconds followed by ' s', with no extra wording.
1 h 33 min
